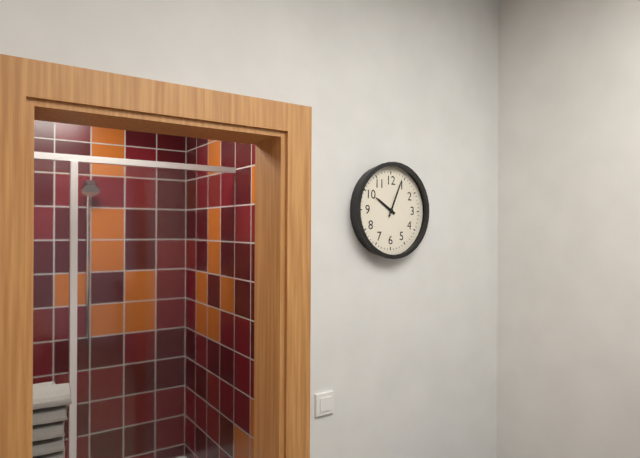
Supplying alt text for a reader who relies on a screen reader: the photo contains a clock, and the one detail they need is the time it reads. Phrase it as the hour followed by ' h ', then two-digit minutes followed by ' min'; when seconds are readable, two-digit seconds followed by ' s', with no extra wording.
10 h 04 min
